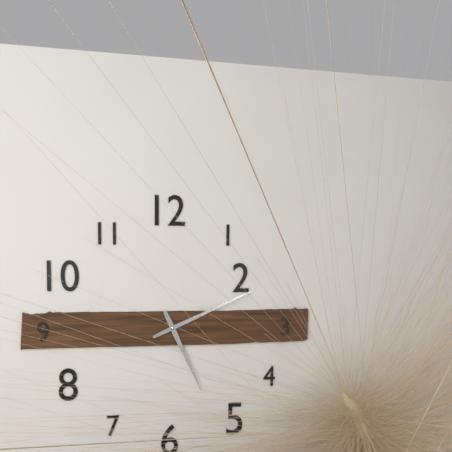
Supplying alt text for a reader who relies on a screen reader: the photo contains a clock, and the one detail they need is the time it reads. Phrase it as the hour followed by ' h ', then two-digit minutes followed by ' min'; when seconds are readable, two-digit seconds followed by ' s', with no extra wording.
5 h 11 min
